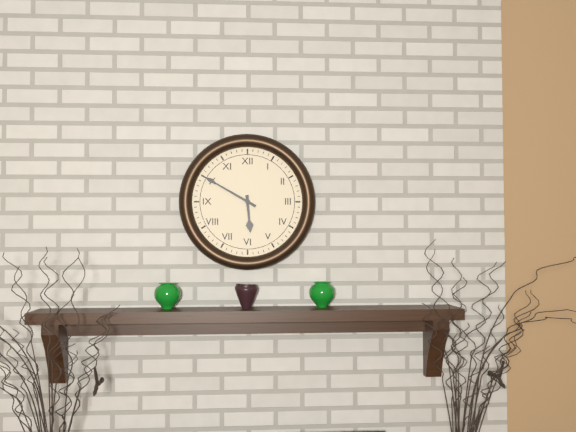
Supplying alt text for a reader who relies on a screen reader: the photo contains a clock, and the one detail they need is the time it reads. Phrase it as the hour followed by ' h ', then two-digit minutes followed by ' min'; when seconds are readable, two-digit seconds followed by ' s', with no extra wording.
5 h 50 min
